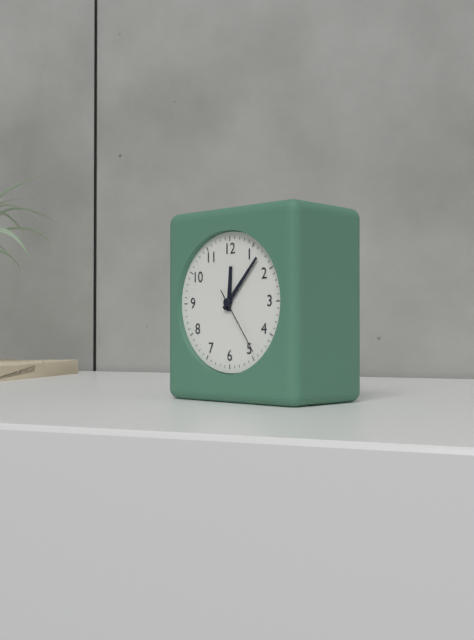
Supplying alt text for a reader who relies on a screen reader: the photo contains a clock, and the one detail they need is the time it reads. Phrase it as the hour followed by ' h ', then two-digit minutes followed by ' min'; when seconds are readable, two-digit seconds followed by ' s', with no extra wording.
12 h 07 min 24 s
